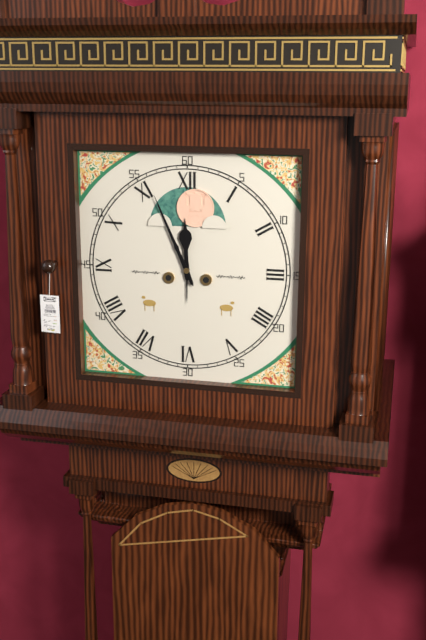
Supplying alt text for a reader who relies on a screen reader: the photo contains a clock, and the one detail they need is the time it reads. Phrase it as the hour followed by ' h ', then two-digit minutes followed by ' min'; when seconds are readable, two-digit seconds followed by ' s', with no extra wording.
11 h 56 min
